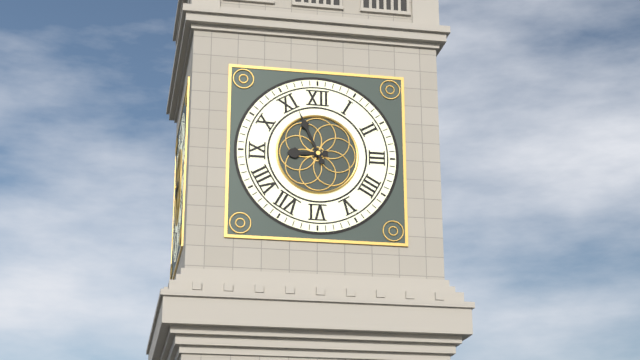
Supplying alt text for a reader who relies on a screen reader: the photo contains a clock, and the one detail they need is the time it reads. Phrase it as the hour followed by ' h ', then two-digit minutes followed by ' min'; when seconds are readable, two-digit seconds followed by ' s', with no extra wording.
8 h 56 min
